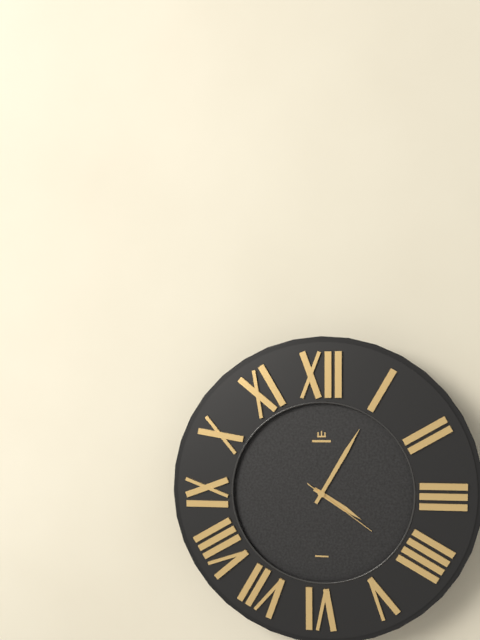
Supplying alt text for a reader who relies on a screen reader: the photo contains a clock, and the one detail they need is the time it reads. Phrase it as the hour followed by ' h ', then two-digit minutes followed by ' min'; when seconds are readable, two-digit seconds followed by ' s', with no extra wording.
4 h 05 min 21 s
